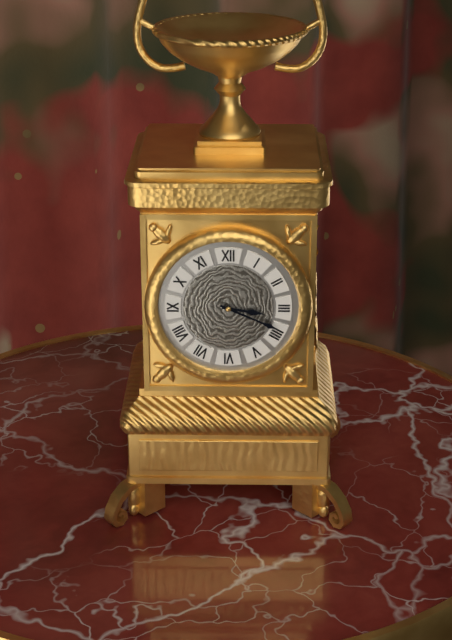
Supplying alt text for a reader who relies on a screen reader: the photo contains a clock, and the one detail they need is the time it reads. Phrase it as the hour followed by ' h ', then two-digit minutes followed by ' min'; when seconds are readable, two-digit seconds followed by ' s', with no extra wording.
3 h 19 min
